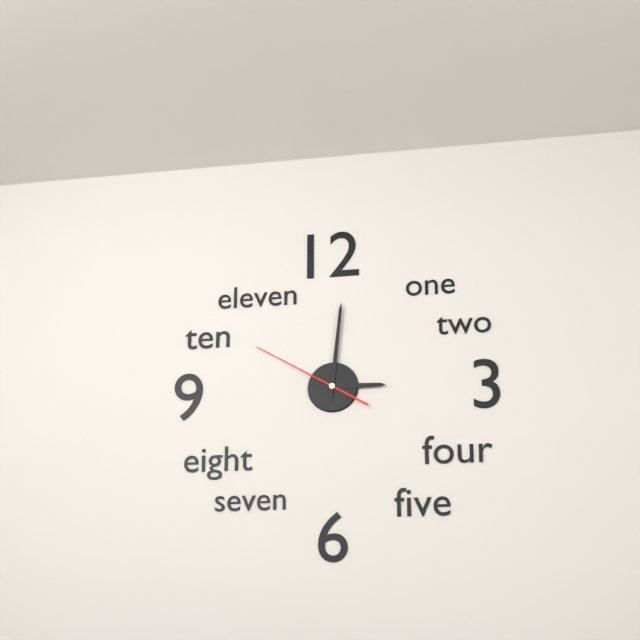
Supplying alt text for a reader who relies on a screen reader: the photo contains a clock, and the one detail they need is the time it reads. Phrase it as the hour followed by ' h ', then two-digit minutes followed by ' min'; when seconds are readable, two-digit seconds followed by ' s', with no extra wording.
3 h 01 min 50 s
